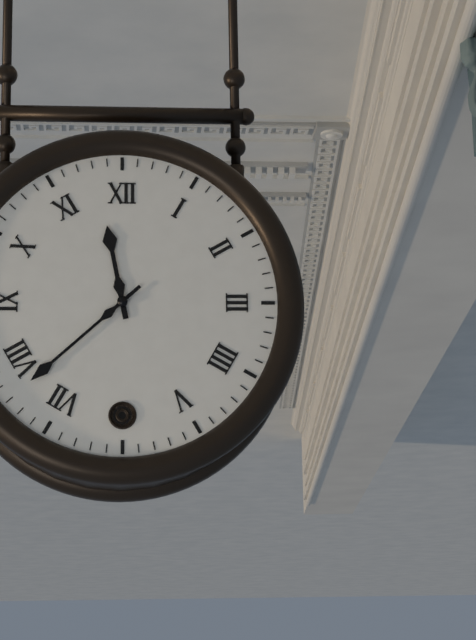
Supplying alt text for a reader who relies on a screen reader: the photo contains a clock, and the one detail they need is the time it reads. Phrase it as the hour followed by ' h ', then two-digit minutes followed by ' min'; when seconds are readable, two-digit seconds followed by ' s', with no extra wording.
11 h 38 min
